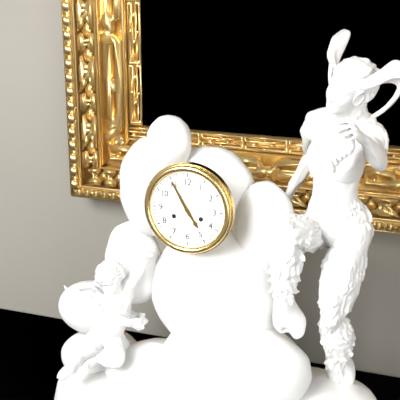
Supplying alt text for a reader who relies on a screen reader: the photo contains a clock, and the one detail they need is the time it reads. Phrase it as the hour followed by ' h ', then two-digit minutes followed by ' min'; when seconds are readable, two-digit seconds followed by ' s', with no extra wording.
4 h 55 min
